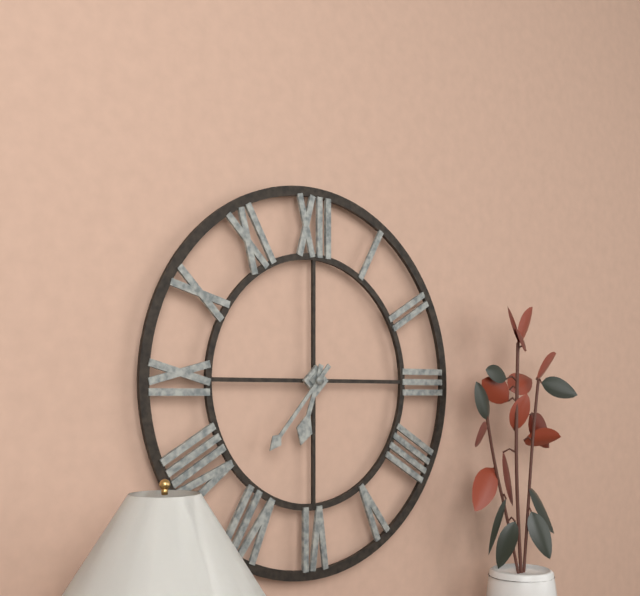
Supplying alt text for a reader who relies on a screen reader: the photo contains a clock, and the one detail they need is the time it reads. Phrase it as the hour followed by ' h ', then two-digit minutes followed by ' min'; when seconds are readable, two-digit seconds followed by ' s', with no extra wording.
6 h 37 min
